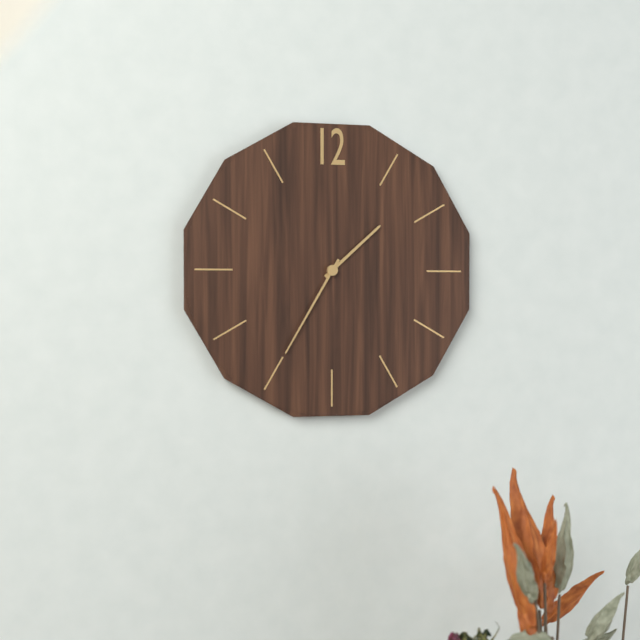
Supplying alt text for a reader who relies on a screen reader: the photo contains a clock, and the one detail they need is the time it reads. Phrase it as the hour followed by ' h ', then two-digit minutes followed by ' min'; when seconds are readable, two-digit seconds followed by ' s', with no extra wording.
1 h 35 min
